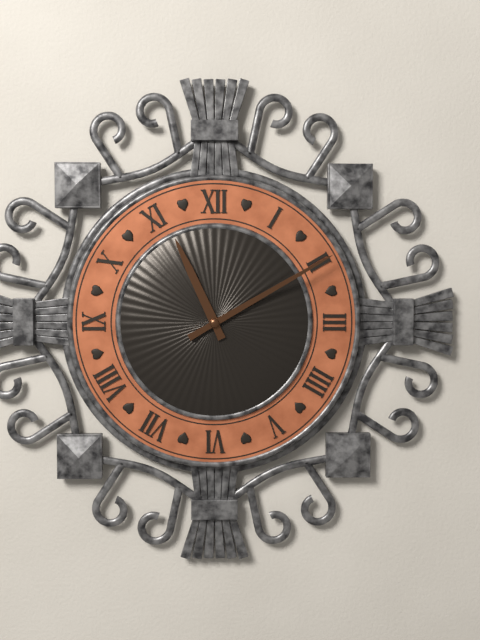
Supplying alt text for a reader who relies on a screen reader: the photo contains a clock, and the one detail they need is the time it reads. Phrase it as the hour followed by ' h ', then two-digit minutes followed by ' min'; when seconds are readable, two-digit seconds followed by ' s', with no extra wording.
11 h 10 min
